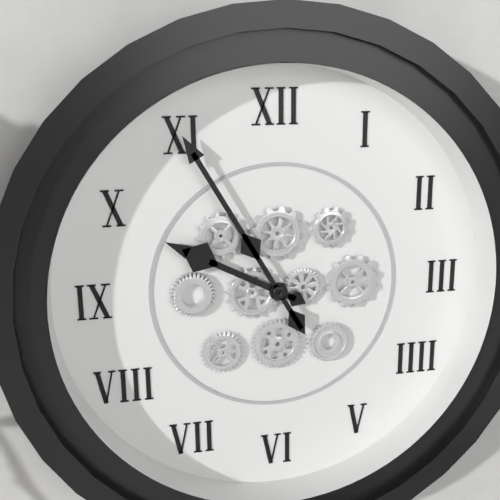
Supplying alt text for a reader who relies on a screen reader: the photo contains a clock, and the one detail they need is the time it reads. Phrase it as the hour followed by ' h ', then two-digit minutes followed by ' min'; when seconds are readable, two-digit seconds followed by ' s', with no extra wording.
9 h 55 min
